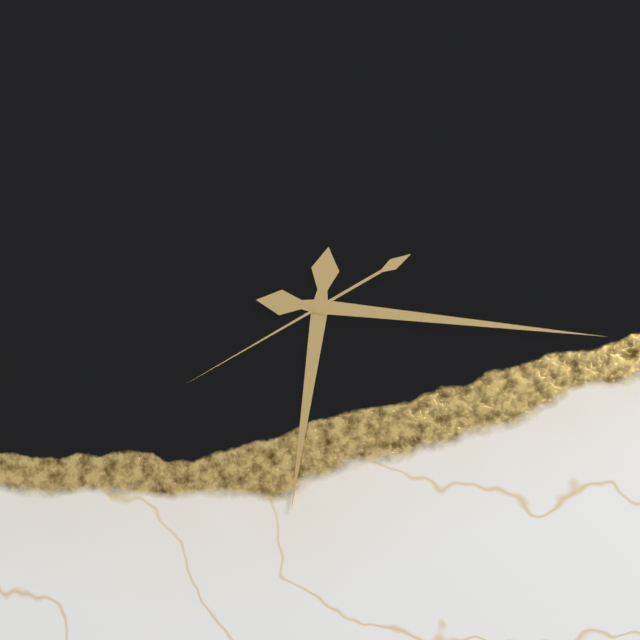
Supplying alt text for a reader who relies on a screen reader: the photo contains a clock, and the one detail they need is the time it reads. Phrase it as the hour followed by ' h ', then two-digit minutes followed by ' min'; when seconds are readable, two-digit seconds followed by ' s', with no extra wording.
6 h 16 min 40 s
